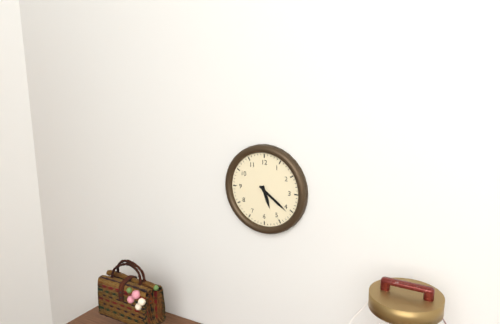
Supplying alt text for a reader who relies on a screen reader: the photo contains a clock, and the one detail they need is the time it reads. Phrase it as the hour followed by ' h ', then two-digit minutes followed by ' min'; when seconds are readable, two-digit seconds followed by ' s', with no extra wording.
5 h 21 min
